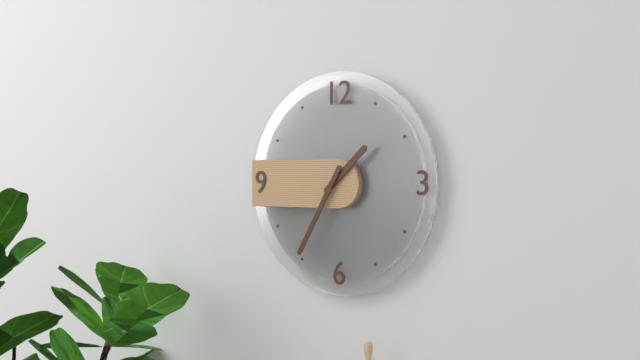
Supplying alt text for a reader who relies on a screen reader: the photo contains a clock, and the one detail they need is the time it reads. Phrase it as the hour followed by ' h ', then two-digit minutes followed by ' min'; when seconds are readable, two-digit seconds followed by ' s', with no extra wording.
1 h 35 min
